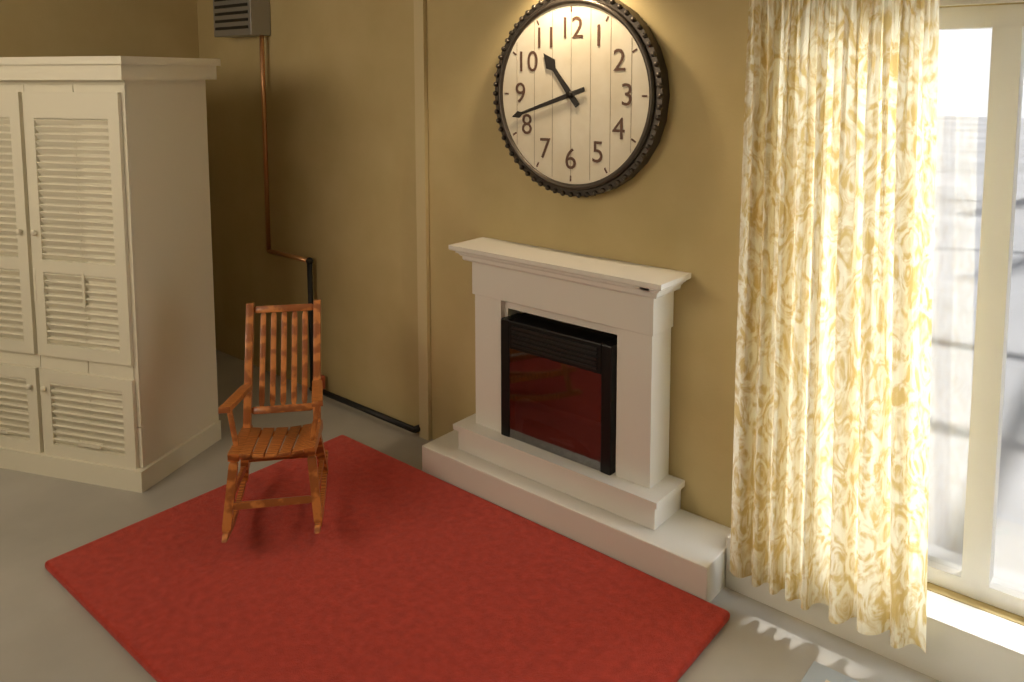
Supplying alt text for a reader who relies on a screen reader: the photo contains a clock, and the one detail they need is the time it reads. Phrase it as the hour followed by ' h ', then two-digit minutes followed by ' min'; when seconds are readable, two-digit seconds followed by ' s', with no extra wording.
10 h 42 min
